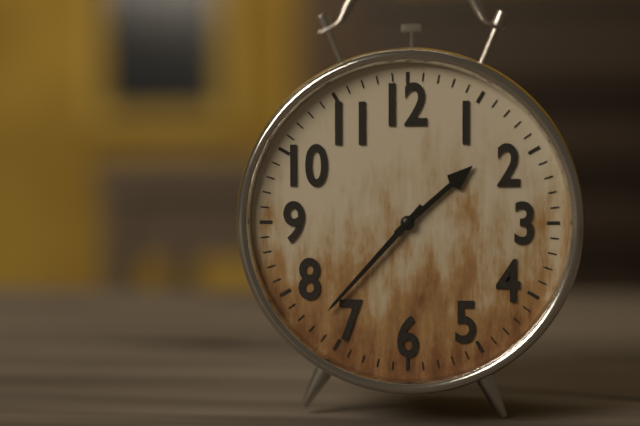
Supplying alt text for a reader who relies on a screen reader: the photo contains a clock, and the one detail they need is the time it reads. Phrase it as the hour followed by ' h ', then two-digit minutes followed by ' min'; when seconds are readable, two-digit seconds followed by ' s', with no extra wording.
1 h 37 min
